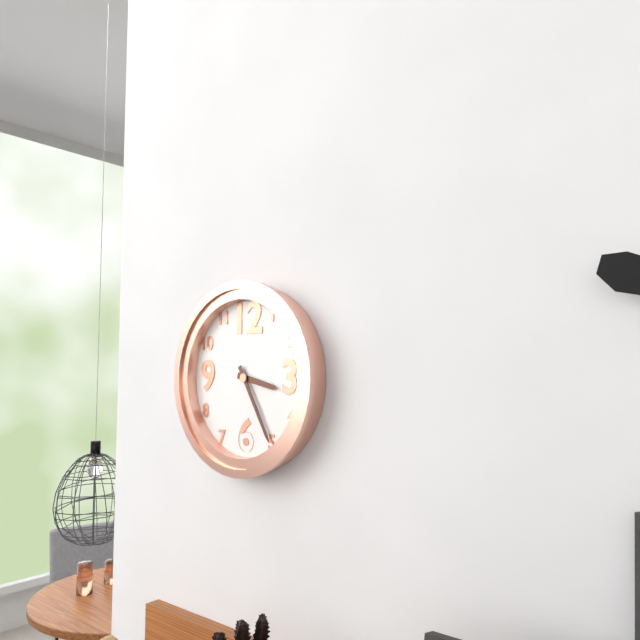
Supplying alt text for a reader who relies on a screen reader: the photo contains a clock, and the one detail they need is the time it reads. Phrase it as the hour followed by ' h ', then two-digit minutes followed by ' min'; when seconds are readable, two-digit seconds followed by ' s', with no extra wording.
3 h 25 min
